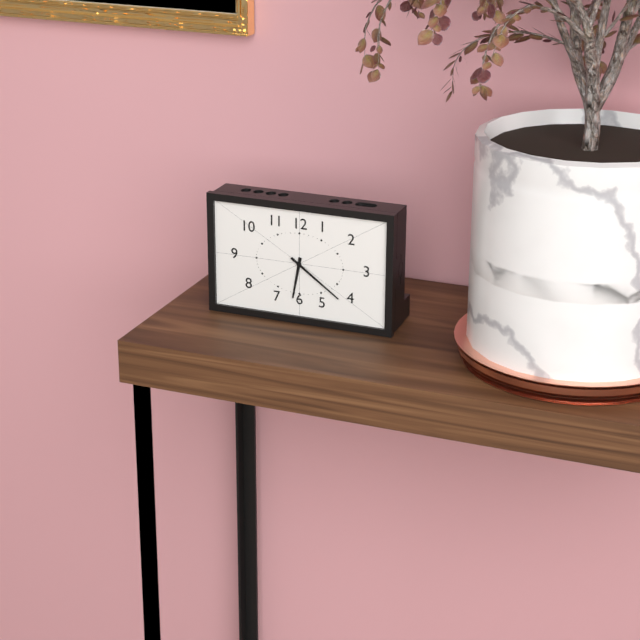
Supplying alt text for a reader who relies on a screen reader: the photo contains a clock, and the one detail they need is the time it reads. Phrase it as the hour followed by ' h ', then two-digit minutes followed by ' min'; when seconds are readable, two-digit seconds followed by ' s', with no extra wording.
6 h 21 min
